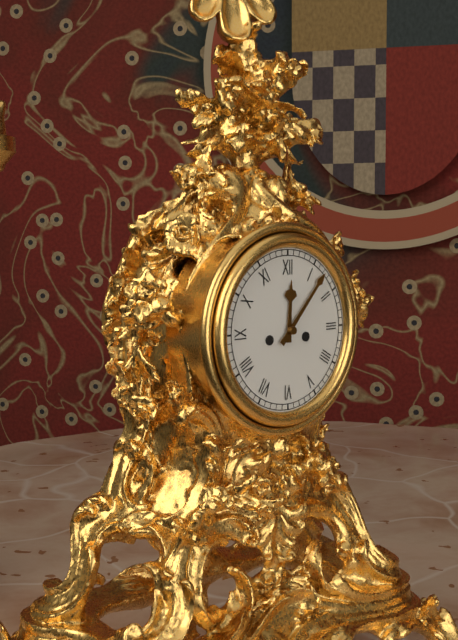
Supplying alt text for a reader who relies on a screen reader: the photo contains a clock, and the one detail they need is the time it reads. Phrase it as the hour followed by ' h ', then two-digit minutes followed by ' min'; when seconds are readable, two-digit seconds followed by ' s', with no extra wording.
12 h 07 min
